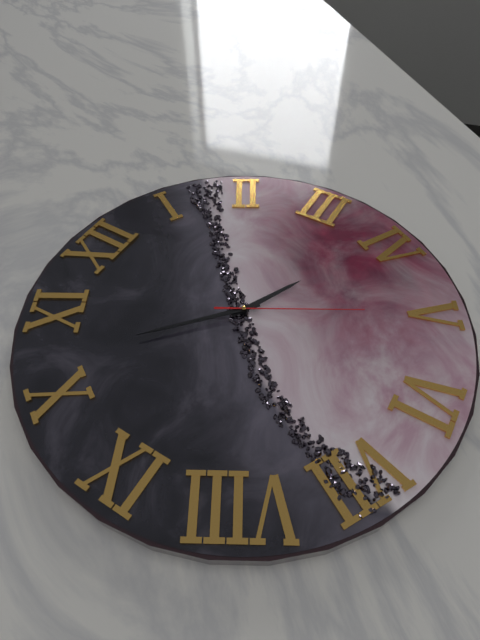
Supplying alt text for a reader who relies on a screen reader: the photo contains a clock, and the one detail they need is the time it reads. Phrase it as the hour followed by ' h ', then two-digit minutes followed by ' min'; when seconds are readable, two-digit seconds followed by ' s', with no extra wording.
3 h 52 min 25 s
